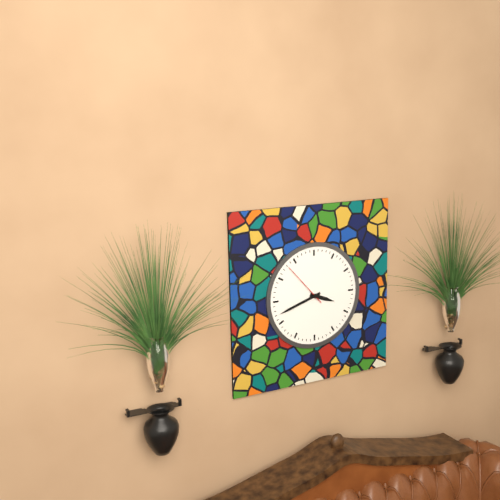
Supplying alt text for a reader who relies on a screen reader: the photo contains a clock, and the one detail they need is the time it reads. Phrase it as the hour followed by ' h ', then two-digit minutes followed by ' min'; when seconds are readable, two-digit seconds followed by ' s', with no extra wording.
3 h 42 min
